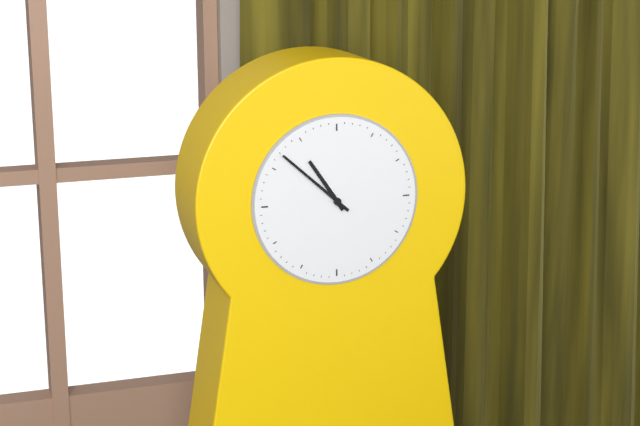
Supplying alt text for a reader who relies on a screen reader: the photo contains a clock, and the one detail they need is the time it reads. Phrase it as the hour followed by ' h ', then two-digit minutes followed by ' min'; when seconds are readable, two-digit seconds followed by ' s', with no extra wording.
10 h 52 min
